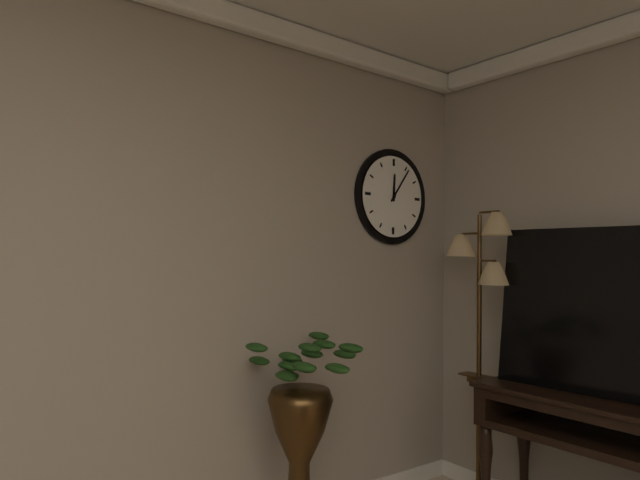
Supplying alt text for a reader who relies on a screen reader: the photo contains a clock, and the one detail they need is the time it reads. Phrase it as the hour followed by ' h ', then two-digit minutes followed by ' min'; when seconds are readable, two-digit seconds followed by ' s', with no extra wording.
12 h 06 min
